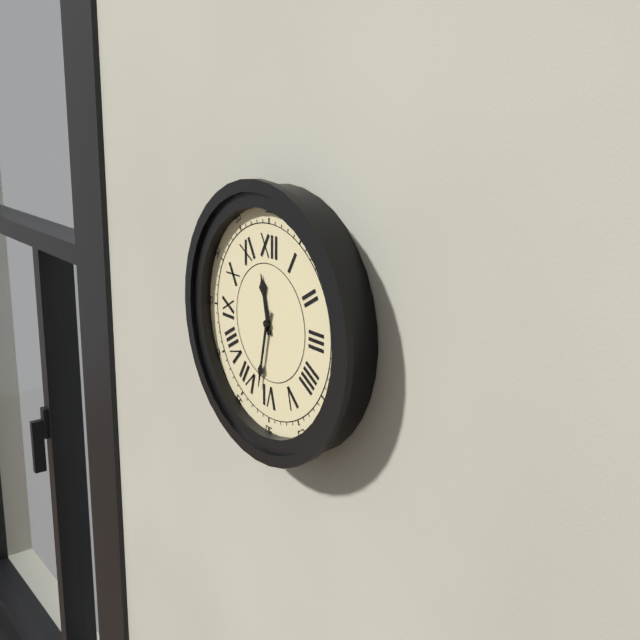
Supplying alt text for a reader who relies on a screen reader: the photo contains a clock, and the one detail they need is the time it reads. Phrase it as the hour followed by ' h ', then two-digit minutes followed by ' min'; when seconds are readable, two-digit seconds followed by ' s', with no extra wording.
11 h 32 min
